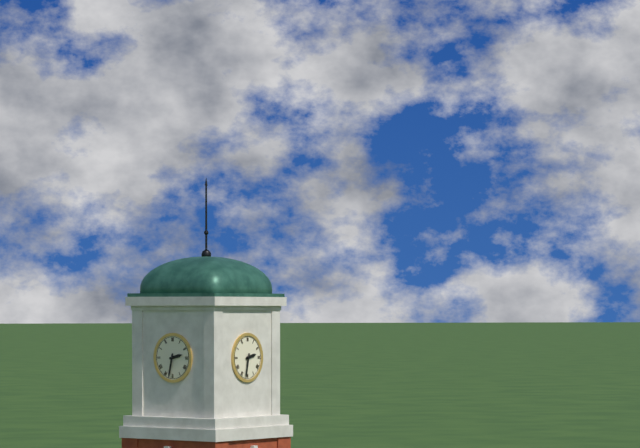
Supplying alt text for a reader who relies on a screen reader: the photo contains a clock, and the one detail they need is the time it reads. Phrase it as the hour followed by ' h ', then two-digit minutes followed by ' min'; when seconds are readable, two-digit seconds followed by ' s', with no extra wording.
2 h 32 min
